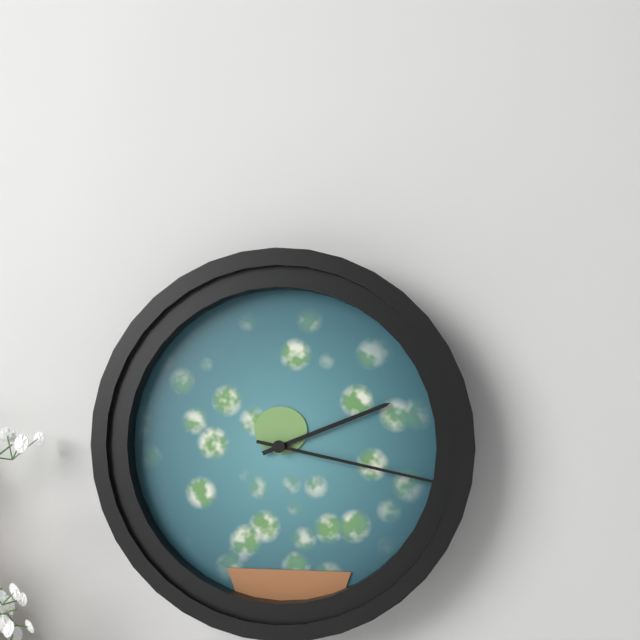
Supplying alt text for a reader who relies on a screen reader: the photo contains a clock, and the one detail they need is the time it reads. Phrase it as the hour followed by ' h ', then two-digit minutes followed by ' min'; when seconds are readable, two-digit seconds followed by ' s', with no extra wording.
2 h 17 min
